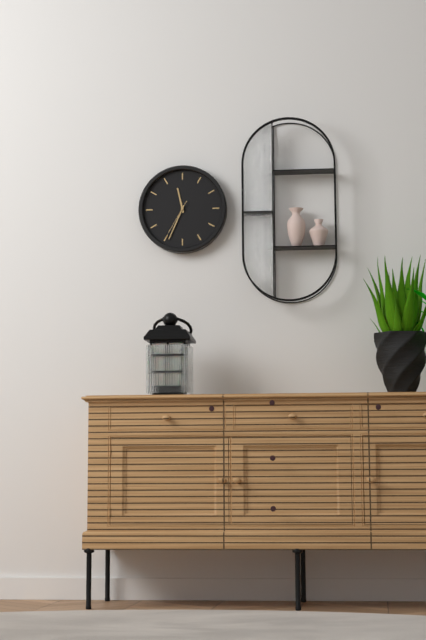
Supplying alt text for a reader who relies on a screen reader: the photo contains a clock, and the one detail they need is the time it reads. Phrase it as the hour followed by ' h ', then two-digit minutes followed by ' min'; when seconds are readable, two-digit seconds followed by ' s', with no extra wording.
11 h 34 min
